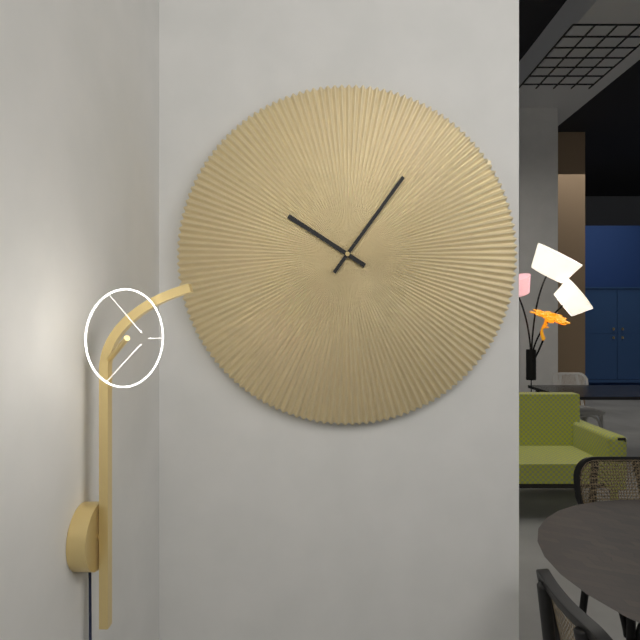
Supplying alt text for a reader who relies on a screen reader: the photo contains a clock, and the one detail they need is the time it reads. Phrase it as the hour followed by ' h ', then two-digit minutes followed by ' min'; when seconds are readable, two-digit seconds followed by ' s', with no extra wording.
10 h 06 min
